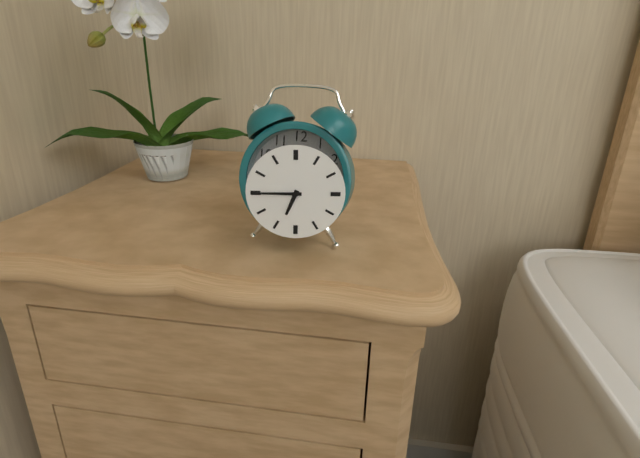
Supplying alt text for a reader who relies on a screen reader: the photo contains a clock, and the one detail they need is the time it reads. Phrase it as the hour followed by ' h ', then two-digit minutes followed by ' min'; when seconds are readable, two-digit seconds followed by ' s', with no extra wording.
6 h 45 min
